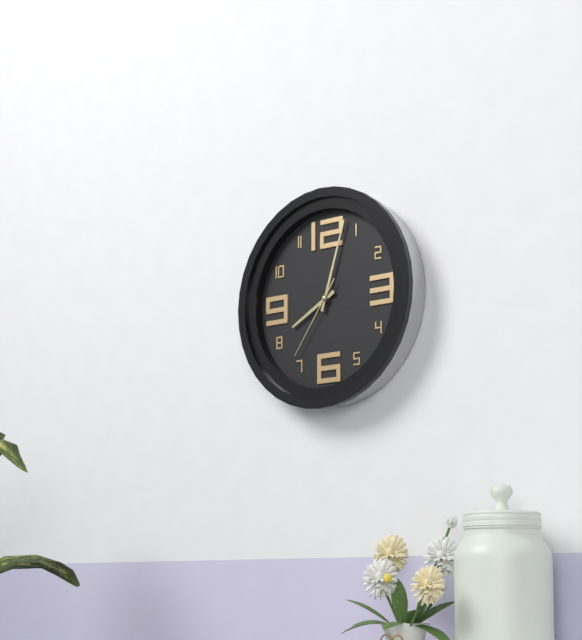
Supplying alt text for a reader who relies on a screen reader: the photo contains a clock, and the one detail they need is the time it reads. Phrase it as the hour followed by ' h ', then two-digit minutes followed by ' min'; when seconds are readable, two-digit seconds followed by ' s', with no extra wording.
8 h 03 min 36 s
